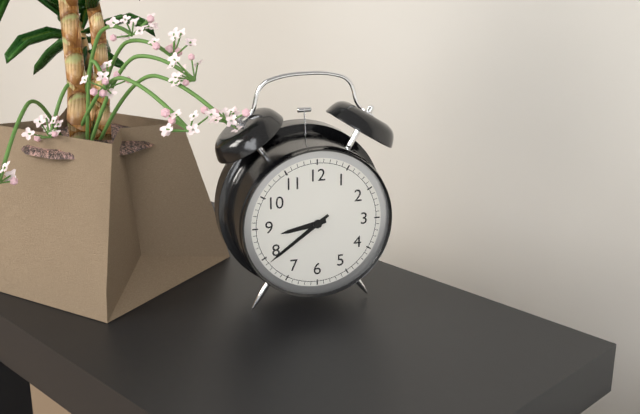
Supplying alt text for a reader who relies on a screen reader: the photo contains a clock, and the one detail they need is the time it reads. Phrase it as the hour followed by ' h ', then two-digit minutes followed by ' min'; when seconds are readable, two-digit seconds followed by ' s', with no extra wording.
8 h 39 min
